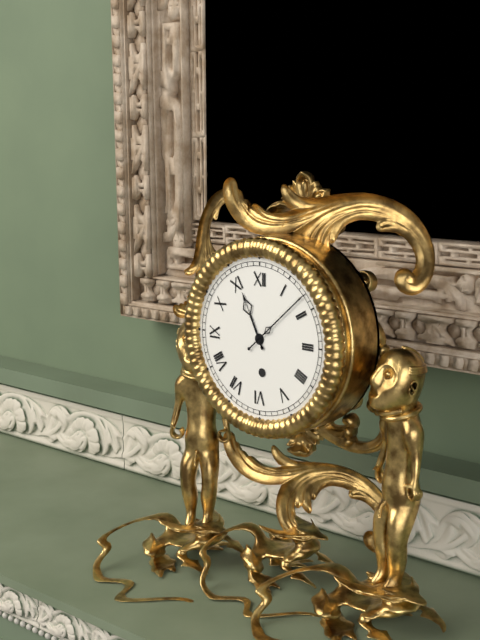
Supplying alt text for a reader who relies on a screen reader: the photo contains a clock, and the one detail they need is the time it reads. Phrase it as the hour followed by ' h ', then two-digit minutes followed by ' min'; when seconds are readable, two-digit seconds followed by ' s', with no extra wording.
11 h 08 min
